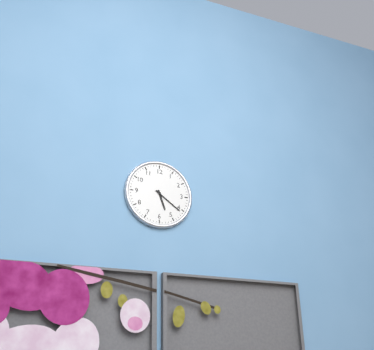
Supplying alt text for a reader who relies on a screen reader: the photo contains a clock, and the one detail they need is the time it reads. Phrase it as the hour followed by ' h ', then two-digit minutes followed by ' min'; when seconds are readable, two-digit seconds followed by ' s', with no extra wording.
5 h 21 min
